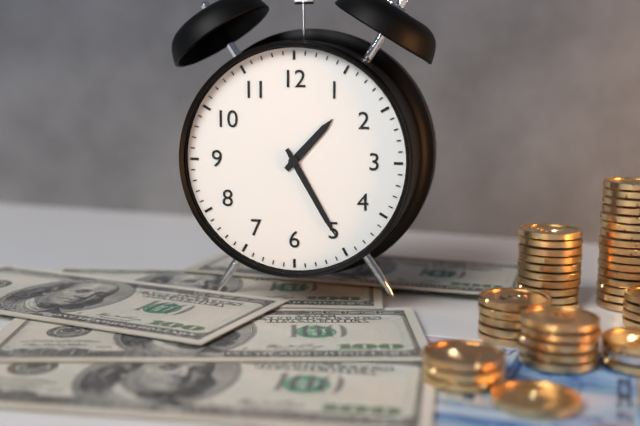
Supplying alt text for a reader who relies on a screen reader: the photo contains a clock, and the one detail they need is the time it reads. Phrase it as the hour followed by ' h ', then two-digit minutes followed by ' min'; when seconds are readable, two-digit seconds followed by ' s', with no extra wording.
1 h 25 min
